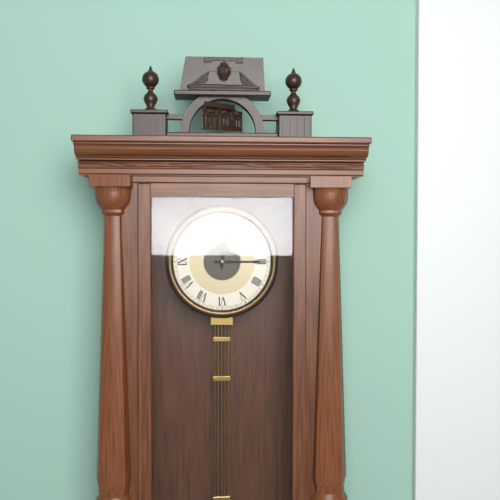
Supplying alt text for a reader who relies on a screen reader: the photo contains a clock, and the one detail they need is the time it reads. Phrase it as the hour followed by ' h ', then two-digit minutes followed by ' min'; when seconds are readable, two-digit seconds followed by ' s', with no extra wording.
12 h 15 min
